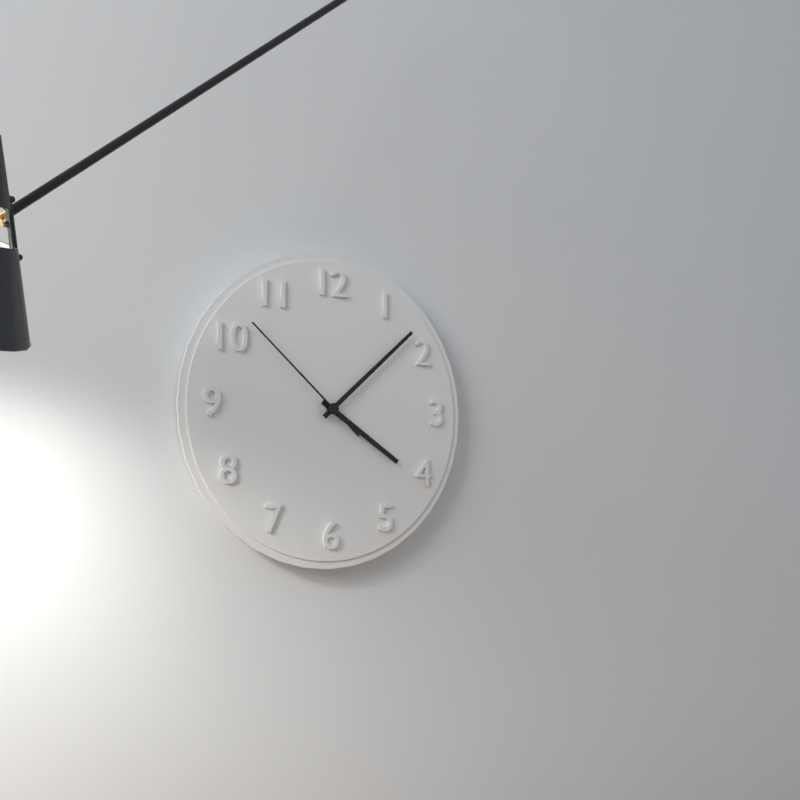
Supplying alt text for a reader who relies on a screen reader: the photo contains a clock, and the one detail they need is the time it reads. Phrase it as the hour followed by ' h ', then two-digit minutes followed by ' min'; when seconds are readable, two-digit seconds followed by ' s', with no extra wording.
4 h 08 min 52 s
